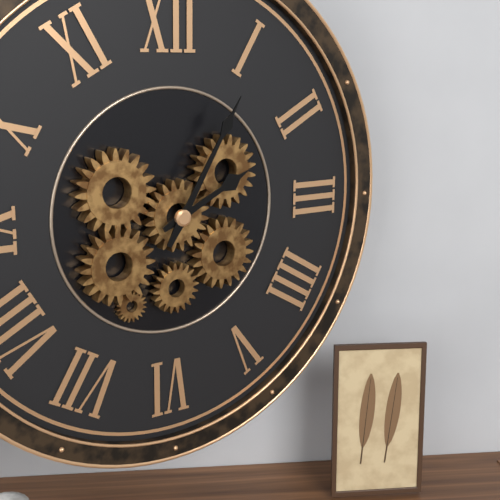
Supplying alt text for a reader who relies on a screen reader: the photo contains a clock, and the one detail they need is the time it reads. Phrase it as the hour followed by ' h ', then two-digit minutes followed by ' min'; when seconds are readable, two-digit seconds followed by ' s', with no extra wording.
2 h 05 min
